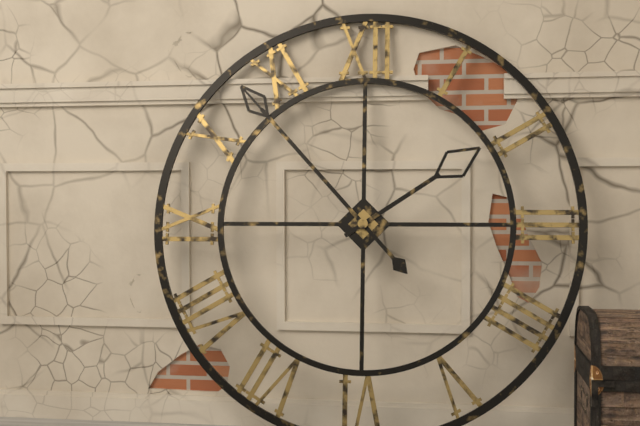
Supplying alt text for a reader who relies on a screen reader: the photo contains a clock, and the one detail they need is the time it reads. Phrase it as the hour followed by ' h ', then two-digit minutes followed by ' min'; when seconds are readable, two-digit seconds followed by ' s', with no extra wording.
1 h 53 min
